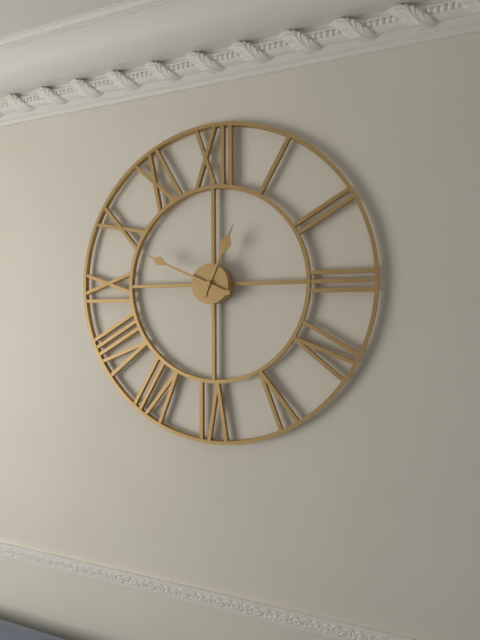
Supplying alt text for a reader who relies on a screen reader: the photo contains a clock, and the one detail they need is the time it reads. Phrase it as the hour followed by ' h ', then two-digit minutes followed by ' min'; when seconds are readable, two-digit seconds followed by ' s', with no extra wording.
12 h 49 min
